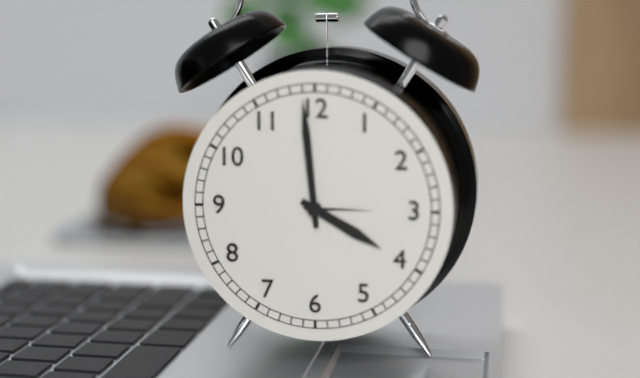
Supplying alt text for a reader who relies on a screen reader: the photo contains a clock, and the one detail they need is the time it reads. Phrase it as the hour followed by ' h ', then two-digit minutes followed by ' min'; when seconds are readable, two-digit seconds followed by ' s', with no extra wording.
3 h 59 min
